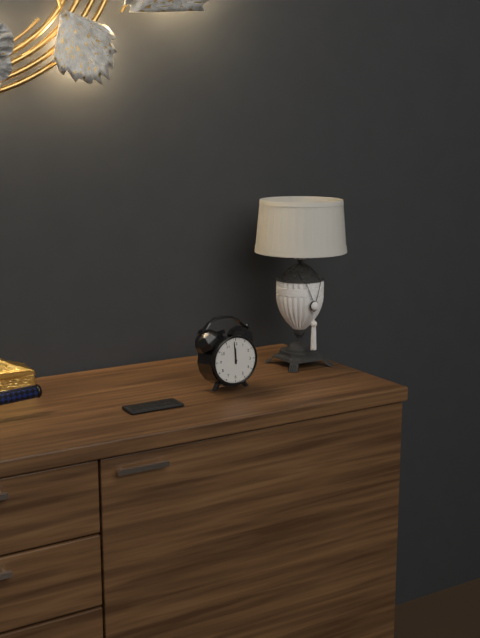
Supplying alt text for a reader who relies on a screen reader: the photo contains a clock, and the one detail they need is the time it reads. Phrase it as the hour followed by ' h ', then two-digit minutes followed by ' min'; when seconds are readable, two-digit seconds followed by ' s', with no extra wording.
11 h 59 min
